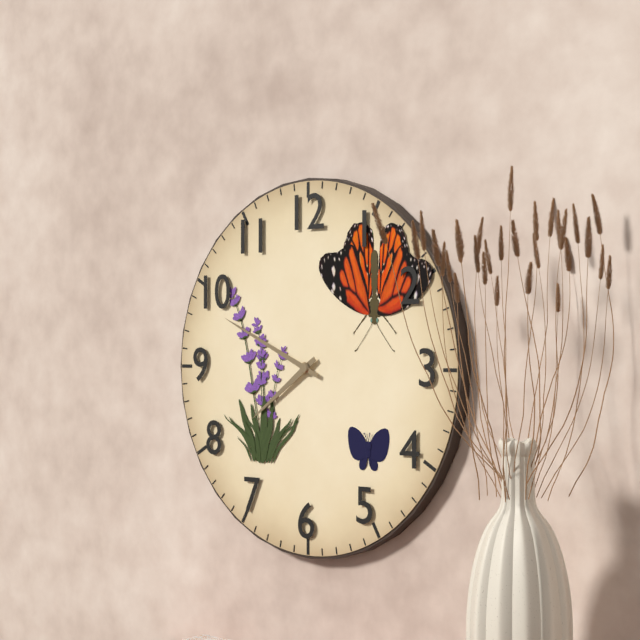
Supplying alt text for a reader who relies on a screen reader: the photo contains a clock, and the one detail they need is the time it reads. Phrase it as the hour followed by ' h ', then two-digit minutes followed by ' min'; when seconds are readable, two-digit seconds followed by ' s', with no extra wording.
7 h 49 min
